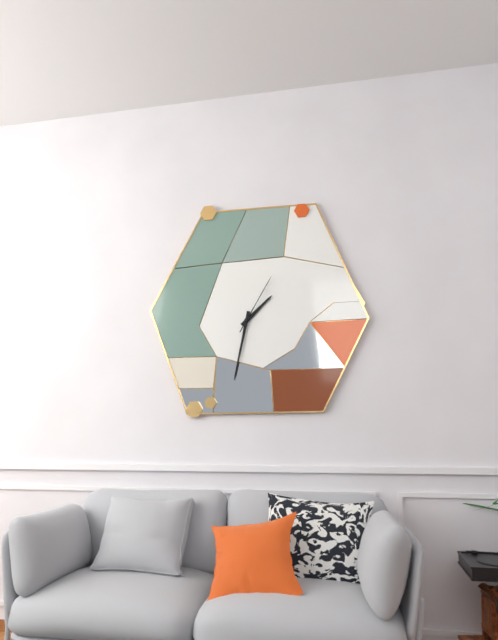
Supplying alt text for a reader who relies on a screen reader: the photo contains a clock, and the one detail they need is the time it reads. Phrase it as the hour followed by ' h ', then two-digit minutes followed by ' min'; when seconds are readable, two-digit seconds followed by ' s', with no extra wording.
1 h 32 min 05 s
